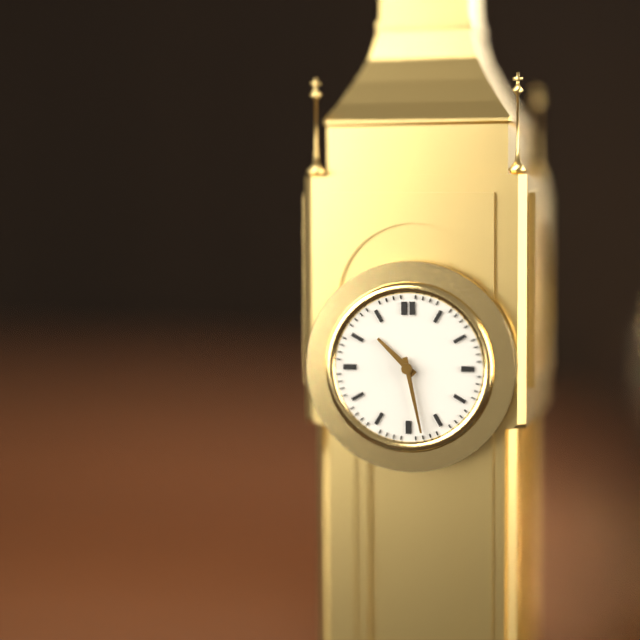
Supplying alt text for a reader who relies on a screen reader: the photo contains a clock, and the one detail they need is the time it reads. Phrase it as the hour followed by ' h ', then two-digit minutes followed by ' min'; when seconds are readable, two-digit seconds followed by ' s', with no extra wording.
10 h 28 min
